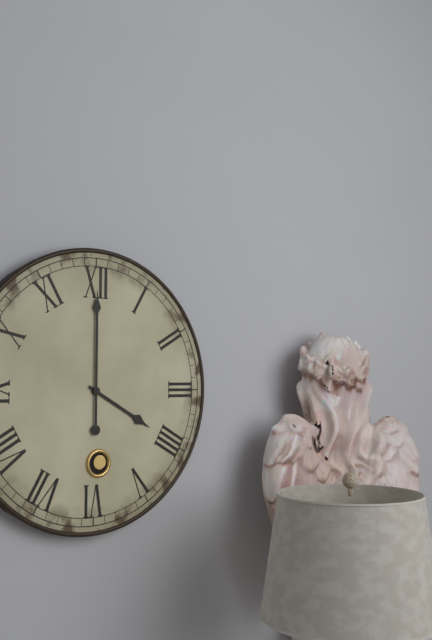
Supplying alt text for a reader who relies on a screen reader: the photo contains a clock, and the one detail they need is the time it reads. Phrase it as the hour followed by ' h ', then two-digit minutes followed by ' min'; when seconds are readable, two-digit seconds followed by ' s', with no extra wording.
4 h 00 min
